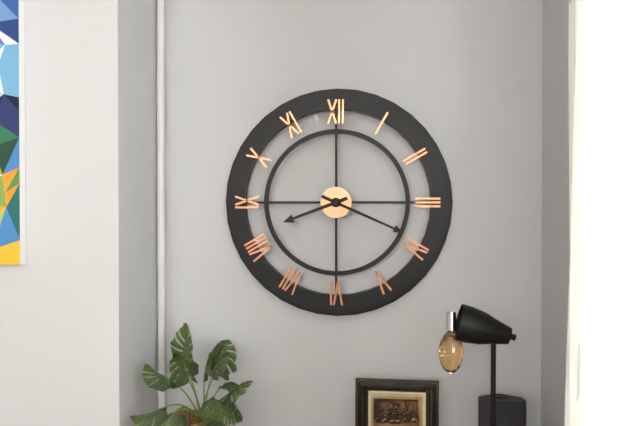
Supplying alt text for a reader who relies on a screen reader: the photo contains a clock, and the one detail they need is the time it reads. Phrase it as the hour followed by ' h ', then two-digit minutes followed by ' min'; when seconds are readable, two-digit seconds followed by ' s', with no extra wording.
8 h 19 min
